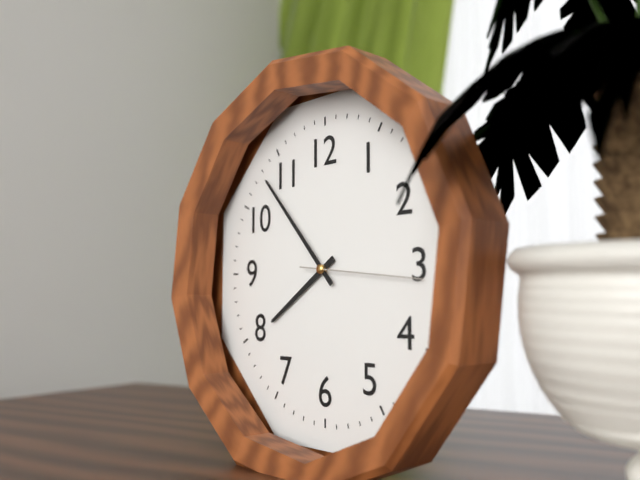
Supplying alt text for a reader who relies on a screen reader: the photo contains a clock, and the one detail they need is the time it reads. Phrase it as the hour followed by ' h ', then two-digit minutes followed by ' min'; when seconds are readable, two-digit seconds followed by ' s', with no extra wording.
7 h 53 min 16 s
